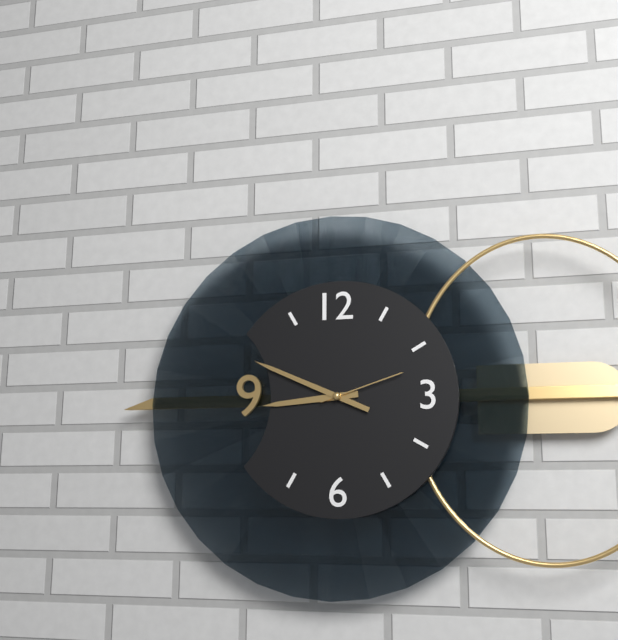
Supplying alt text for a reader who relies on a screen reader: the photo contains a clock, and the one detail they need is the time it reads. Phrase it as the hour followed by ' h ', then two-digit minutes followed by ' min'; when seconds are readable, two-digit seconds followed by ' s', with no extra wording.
8 h 49 min 12 s
